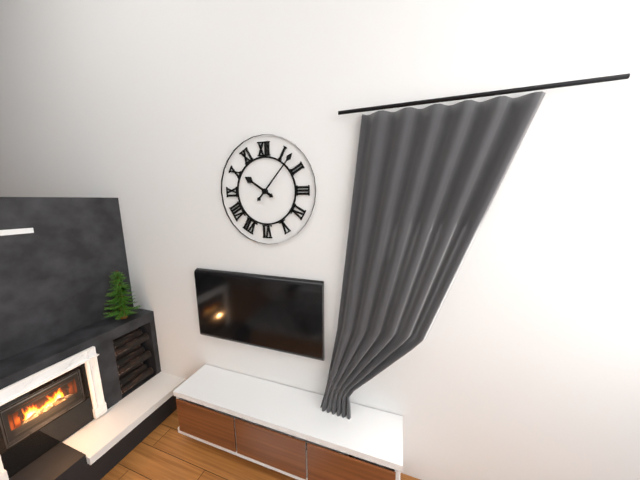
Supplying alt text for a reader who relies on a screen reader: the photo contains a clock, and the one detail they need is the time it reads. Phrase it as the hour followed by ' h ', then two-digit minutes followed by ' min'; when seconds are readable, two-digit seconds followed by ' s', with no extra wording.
10 h 07 min
